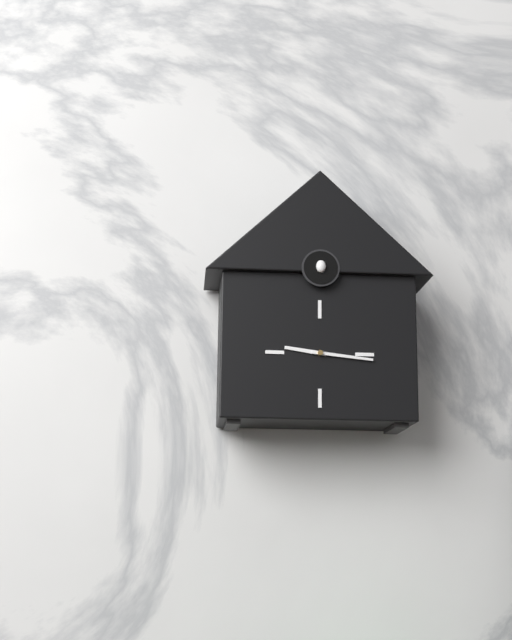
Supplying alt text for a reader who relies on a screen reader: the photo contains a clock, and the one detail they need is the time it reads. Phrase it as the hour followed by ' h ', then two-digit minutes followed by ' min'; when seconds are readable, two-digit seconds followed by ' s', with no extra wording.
9 h 16 min
